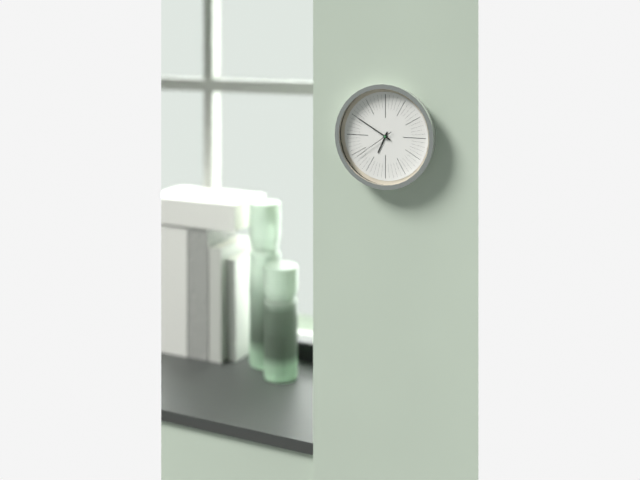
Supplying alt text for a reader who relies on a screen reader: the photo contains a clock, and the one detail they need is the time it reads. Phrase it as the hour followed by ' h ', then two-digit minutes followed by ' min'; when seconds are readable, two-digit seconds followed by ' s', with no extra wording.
6 h 50 min
